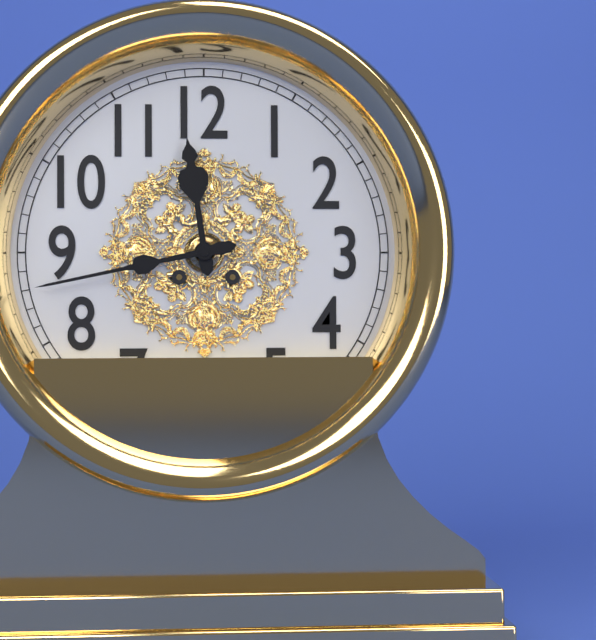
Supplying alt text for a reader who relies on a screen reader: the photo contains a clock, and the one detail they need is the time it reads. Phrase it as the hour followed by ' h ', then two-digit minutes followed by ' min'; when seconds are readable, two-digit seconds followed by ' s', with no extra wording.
11 h 43 min
